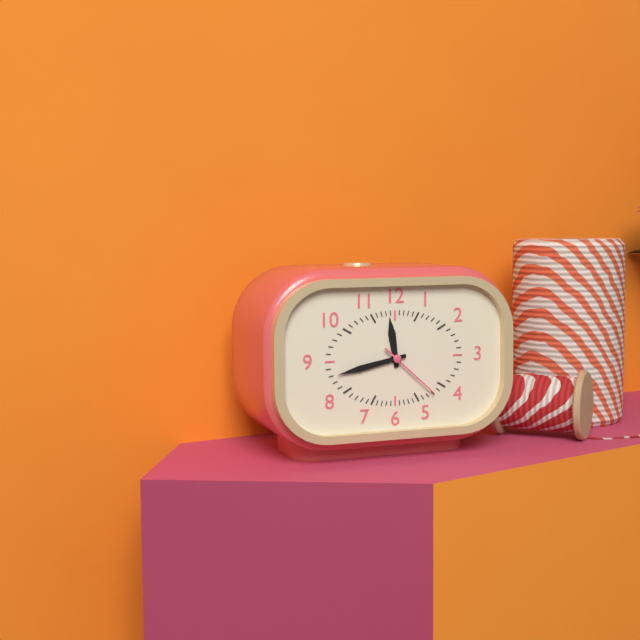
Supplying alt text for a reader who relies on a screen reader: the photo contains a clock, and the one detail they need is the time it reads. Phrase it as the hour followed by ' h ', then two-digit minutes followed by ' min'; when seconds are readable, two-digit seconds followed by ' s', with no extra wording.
11 h 43 min 22 s
